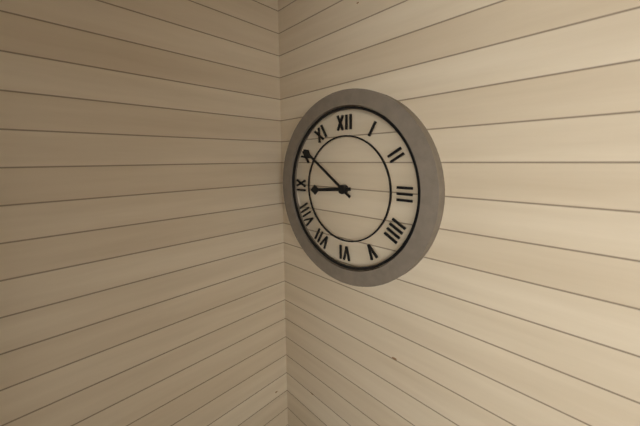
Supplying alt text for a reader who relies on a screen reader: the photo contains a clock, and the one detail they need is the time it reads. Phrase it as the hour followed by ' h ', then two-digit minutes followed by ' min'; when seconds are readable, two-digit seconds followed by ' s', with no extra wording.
8 h 51 min
